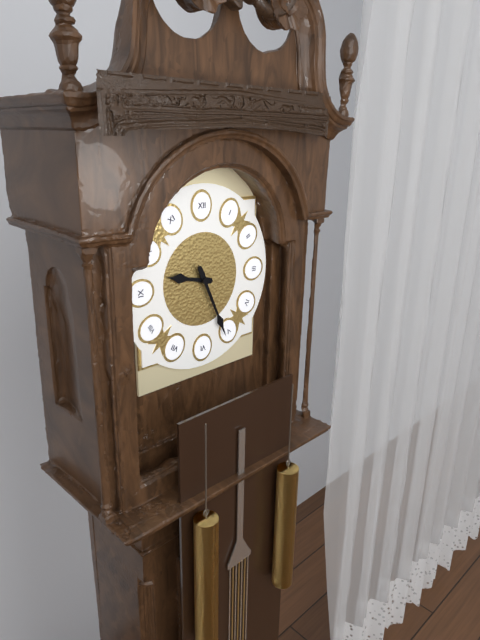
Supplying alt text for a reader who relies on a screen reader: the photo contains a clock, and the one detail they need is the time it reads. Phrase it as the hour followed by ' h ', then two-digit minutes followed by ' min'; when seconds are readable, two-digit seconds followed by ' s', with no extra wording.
9 h 26 min
